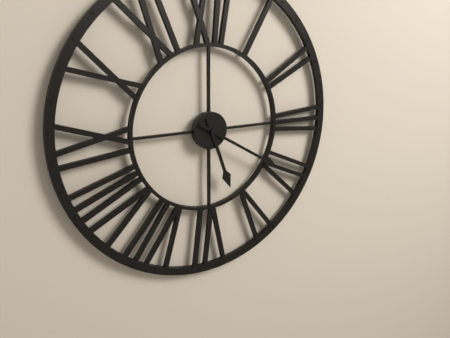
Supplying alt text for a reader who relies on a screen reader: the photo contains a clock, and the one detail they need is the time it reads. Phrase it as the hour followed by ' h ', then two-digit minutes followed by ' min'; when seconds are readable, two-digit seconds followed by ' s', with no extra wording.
5 h 20 min
